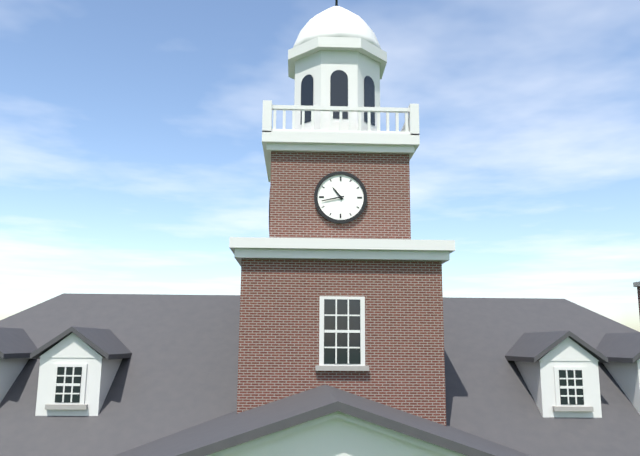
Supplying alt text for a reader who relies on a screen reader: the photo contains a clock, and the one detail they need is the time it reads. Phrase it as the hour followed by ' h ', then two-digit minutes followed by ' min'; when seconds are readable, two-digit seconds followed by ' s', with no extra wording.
10 h 43 min
